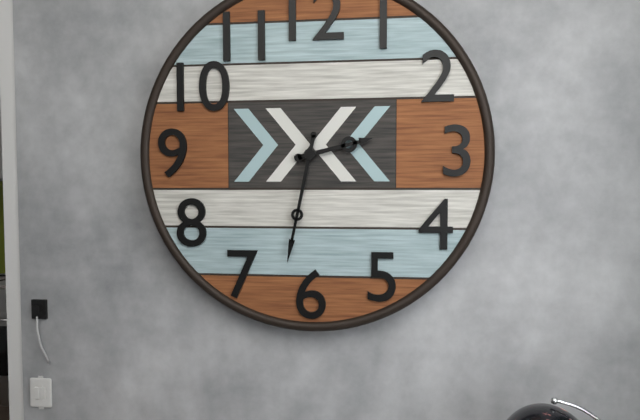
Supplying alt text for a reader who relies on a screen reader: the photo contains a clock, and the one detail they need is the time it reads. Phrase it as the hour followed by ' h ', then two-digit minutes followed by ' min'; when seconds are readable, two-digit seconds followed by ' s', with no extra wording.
2 h 32 min
